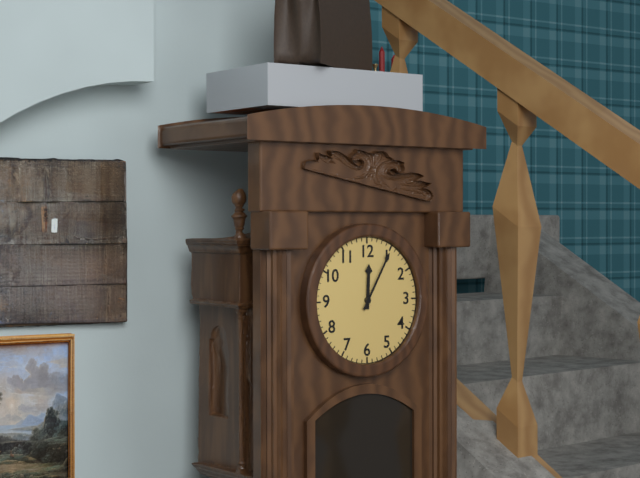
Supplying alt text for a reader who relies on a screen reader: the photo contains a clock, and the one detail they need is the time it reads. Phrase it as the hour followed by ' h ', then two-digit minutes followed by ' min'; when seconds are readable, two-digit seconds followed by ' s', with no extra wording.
12 h 05 min
